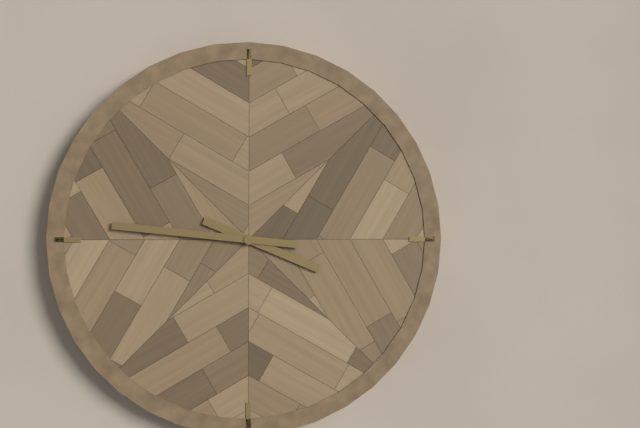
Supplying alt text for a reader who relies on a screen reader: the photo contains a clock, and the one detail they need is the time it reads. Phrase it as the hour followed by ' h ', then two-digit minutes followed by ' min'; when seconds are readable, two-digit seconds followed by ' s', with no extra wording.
3 h 46 min
